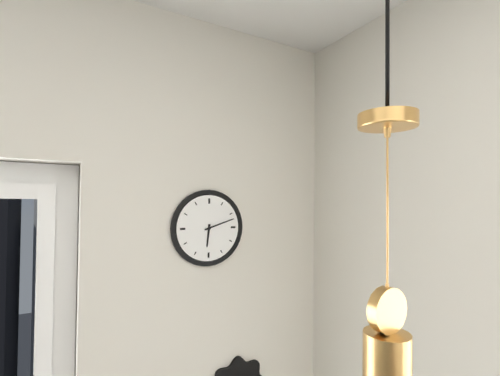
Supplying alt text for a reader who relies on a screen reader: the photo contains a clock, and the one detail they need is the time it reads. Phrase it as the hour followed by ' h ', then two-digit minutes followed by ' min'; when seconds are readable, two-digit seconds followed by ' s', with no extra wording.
6 h 12 min
